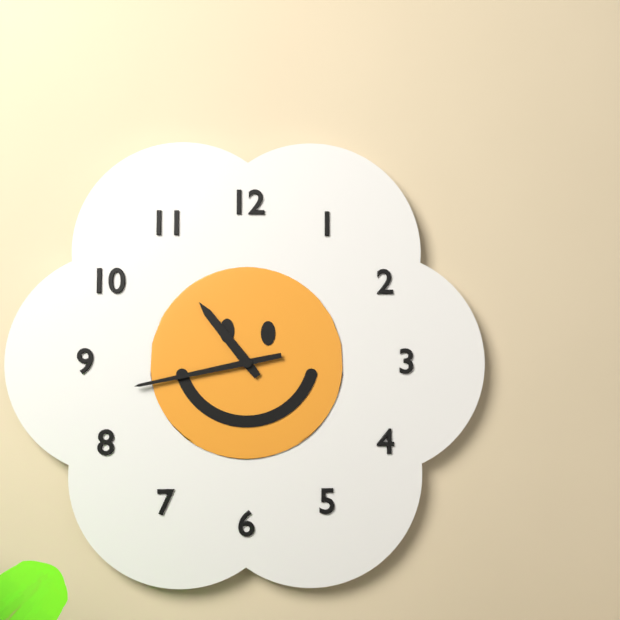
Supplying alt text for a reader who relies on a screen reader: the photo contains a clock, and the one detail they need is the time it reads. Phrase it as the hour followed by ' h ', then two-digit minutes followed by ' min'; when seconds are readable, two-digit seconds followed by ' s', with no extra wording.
10 h 43 min
